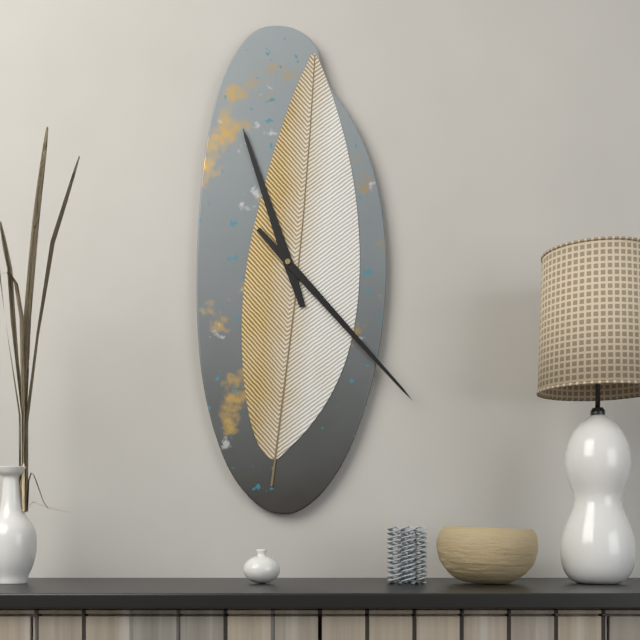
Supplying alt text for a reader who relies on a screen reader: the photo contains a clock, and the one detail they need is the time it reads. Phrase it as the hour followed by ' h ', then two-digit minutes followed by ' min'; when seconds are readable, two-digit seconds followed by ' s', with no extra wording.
11 h 23 min
